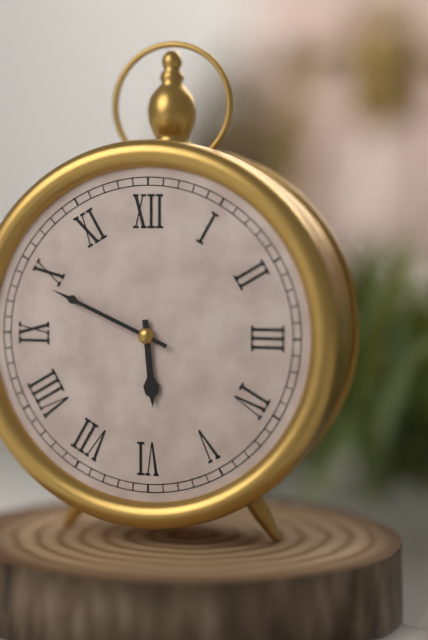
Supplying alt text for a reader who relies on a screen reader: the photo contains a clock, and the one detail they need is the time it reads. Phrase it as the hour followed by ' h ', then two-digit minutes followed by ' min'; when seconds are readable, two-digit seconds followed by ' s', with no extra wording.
5 h 49 min
